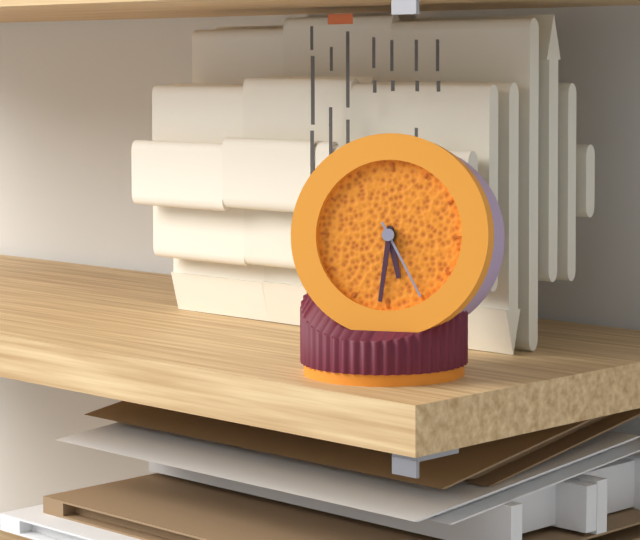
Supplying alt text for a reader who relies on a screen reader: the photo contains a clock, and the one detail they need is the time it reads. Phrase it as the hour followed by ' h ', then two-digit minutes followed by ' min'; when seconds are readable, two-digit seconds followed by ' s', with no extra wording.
5 h 31 min 25 s
